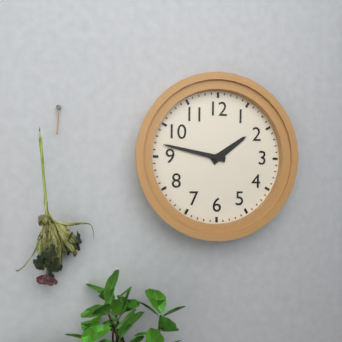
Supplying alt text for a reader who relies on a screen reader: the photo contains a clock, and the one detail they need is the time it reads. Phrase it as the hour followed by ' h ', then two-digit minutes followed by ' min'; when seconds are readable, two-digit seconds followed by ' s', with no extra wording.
1 h 47 min
